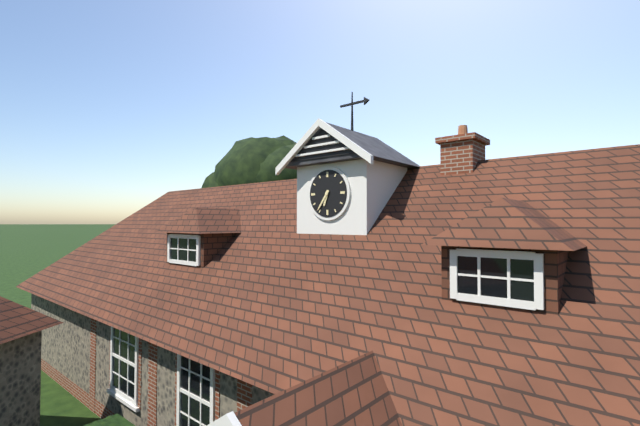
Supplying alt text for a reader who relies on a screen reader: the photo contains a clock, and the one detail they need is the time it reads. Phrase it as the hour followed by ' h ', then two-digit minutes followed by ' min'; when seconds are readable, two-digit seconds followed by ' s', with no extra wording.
6 h 36 min
